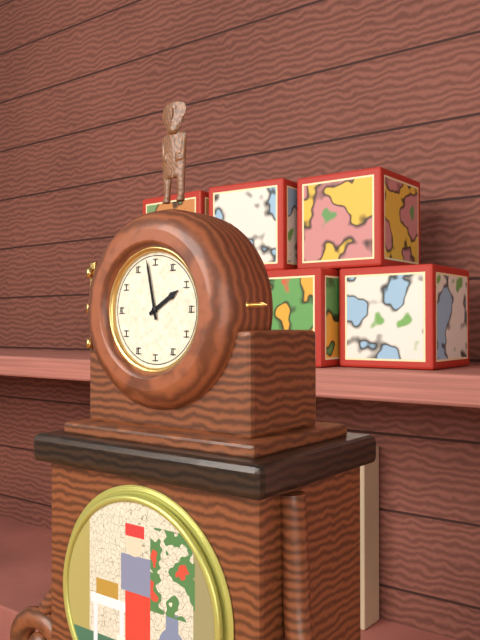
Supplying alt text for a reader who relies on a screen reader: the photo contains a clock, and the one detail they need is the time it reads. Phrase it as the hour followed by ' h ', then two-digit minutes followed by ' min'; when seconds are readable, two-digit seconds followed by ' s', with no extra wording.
1 h 58 min
